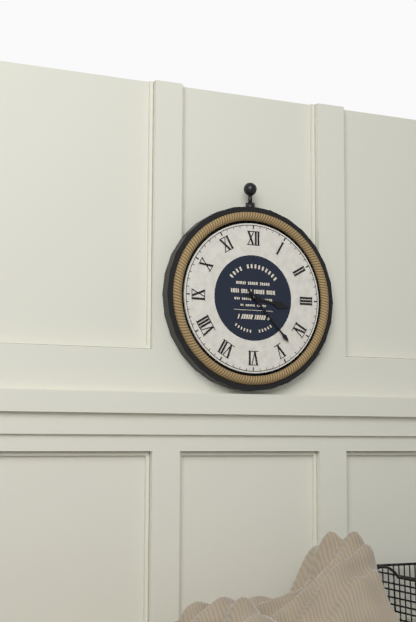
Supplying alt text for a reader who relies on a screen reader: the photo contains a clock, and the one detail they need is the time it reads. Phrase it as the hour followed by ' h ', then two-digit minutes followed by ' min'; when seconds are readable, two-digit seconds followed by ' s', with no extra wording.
3 h 23 min
